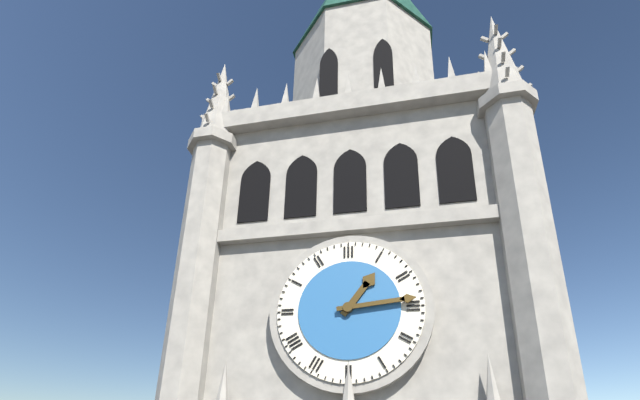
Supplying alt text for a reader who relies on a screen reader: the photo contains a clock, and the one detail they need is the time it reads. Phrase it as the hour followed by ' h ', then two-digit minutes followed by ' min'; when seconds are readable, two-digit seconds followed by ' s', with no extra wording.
1 h 14 min
